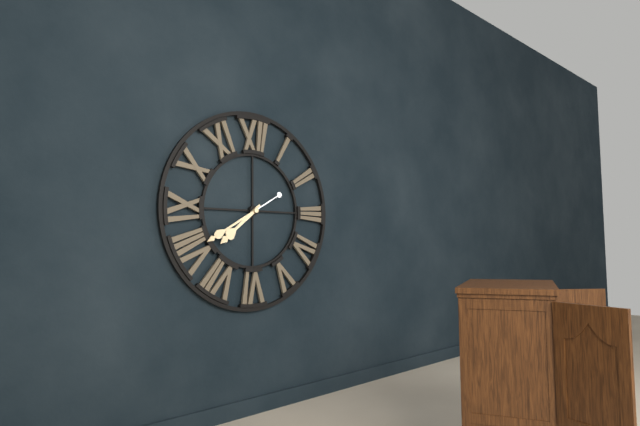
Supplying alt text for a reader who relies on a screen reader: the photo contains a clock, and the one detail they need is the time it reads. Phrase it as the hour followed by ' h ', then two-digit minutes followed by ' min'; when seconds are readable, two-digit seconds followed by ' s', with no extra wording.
7 h 40 min
